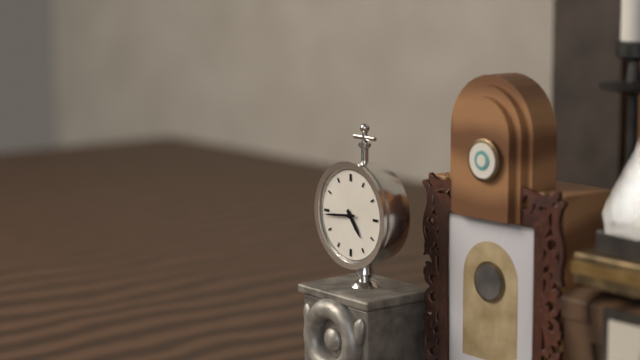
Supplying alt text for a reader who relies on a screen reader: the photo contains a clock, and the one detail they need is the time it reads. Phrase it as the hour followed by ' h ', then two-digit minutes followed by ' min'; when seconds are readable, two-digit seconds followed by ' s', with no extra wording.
4 h 44 min
